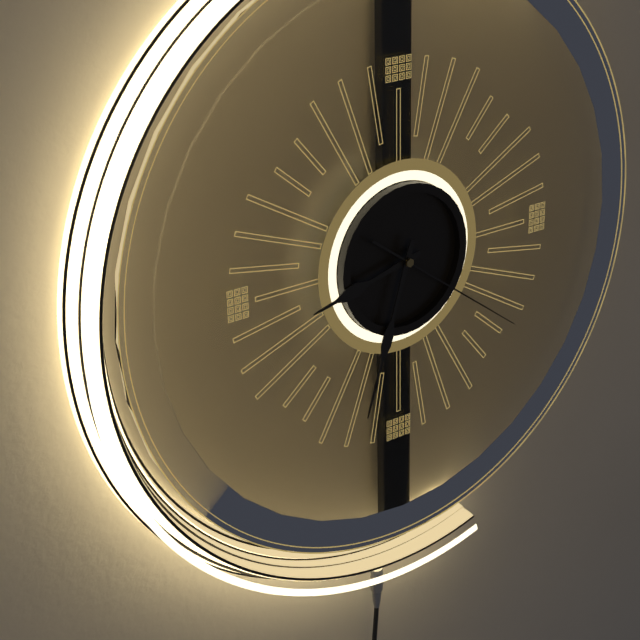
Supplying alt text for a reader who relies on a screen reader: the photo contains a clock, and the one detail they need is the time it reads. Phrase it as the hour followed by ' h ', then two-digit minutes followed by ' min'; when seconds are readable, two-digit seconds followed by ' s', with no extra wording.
8 h 33 min 21 s
